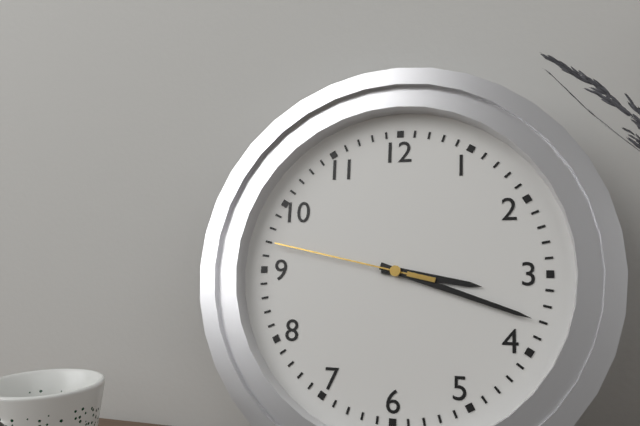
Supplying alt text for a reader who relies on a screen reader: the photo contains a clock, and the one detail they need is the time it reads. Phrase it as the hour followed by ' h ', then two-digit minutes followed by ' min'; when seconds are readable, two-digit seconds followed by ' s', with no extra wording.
3 h 18 min 47 s
